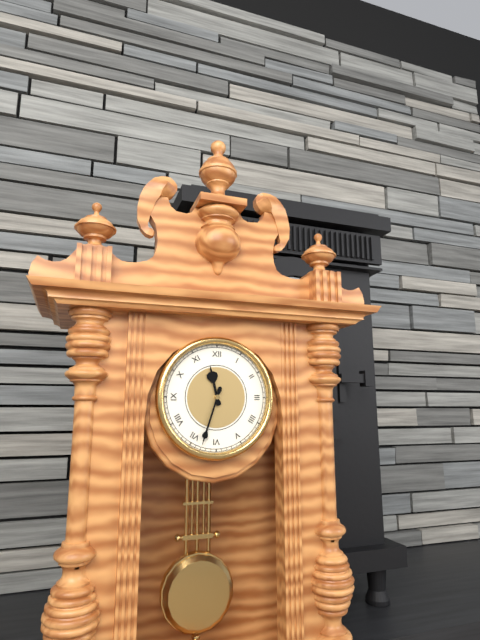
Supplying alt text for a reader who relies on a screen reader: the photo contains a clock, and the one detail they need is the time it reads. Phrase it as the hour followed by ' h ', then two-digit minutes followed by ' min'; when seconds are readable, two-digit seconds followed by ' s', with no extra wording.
11 h 33 min
